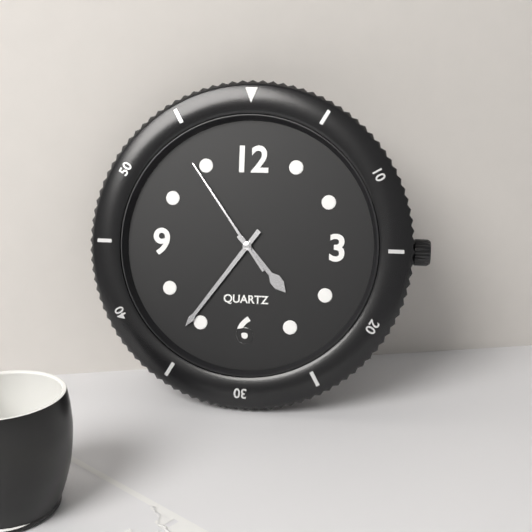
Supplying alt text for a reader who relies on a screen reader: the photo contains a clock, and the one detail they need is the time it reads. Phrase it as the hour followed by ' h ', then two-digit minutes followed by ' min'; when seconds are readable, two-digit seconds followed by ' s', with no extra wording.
4 h 36 min 54 s
